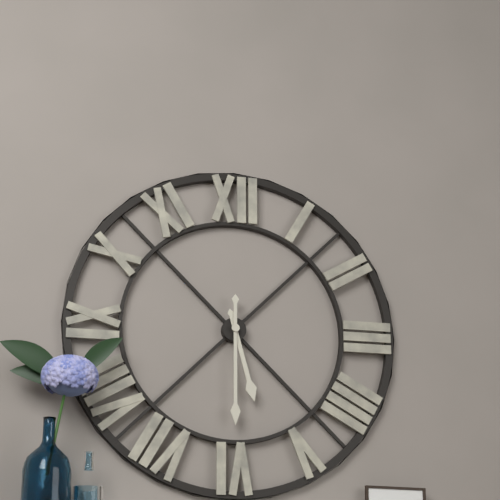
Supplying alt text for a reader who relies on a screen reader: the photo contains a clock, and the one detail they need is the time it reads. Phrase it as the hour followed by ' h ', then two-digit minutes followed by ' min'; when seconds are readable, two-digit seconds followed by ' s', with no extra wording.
5 h 30 min
